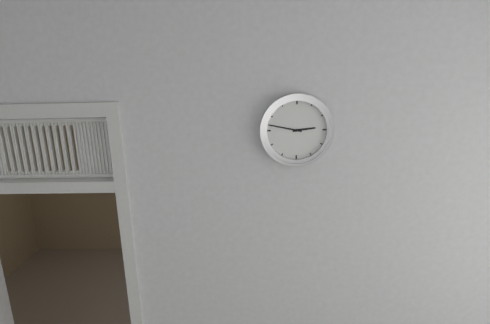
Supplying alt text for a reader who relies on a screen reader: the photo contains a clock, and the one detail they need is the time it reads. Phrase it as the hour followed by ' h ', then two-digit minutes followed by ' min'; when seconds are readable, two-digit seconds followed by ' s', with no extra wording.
2 h 47 min
